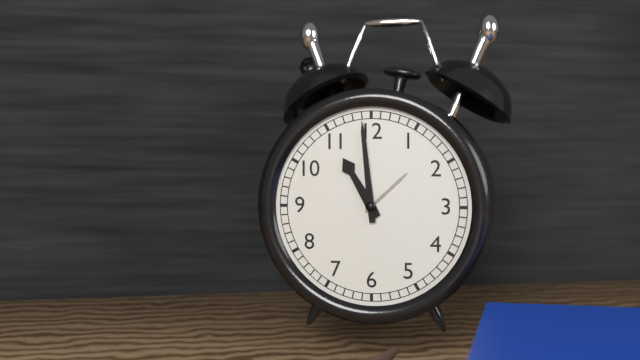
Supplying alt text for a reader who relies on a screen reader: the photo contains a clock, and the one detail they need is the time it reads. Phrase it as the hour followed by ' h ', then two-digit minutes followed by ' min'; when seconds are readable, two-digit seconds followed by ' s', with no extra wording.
10 h 59 min
